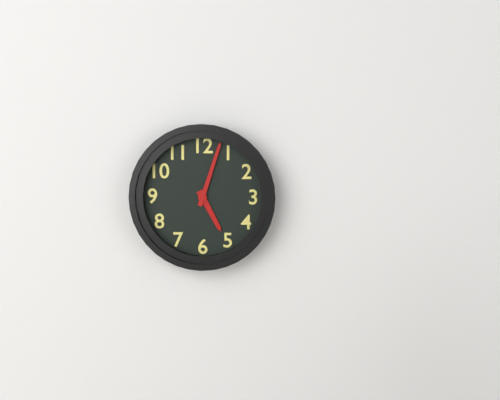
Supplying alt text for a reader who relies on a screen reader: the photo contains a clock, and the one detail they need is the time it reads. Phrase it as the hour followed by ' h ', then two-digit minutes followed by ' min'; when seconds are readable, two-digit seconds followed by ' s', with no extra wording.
5 h 03 min
